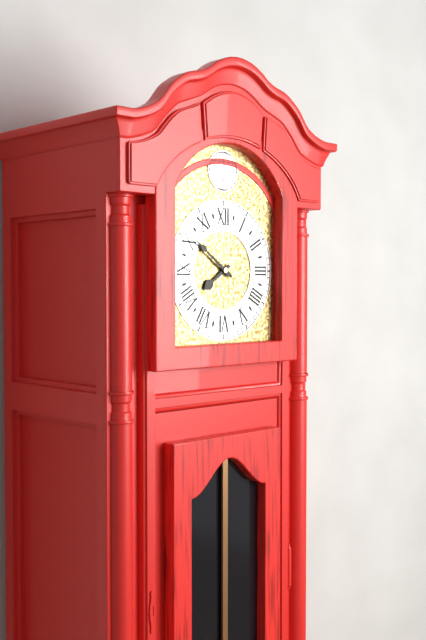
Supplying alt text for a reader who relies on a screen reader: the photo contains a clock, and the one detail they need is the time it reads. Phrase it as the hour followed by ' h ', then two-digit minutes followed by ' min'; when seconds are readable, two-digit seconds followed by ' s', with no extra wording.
7 h 51 min
